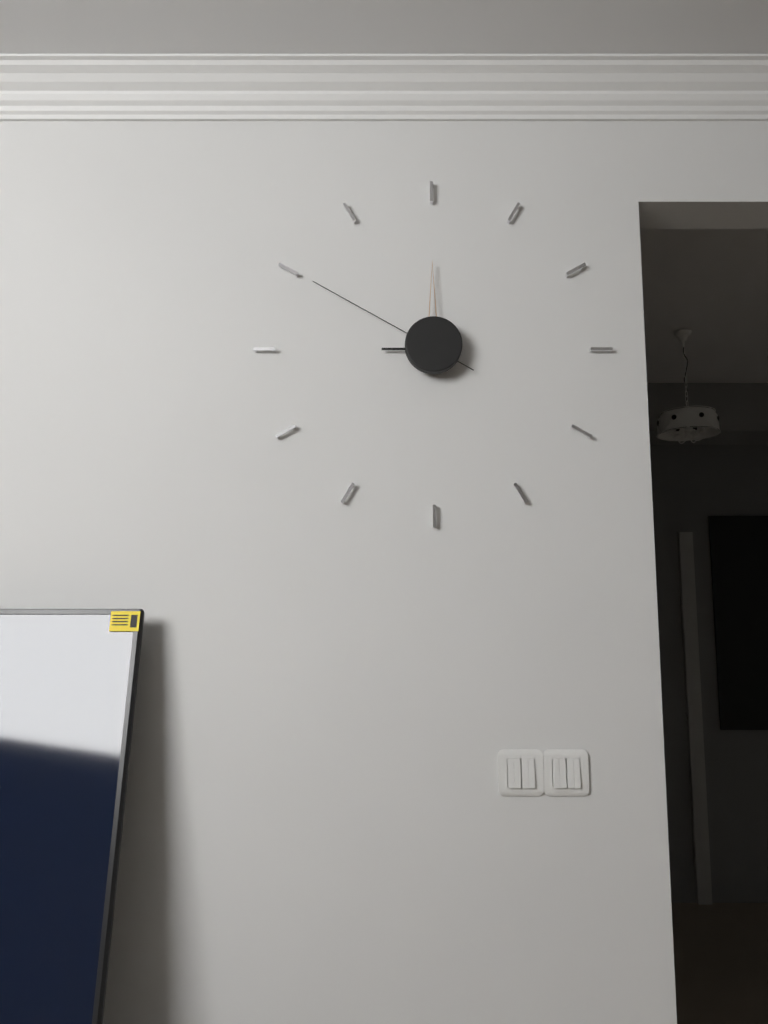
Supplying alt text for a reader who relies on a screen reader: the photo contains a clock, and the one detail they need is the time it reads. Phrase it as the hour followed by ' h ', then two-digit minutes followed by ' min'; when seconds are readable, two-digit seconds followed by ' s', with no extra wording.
9 h 00 min 50 s
